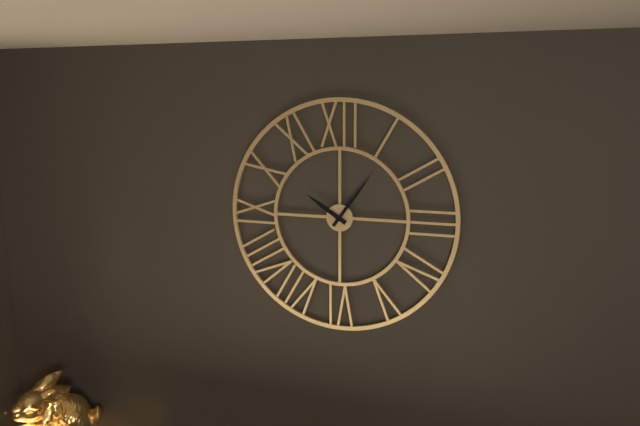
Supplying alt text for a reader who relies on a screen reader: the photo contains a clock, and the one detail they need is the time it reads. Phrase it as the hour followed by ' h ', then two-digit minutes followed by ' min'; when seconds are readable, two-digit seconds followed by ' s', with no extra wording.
10 h 06 min
